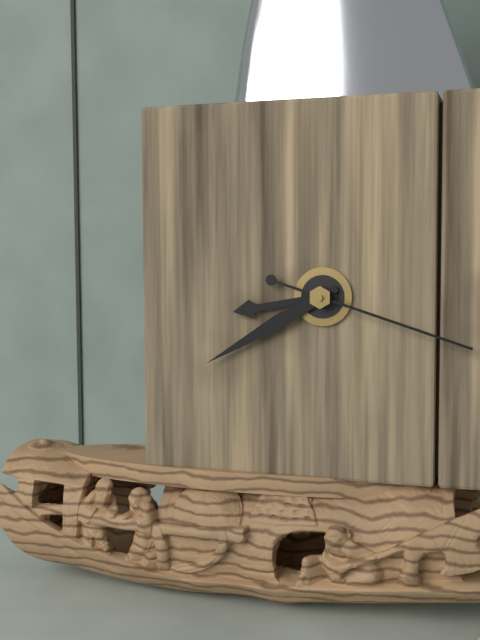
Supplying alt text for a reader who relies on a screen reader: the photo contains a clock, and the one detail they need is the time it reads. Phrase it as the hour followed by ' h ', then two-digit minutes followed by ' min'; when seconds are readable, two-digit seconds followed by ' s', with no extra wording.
8 h 40 min 18 s
